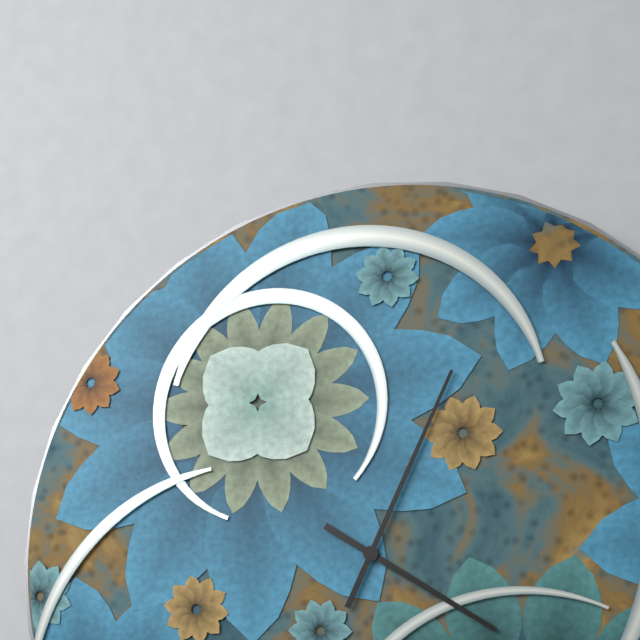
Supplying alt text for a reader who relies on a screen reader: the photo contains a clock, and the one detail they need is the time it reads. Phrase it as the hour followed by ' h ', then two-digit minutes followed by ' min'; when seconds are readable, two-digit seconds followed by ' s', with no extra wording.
4 h 04 min
